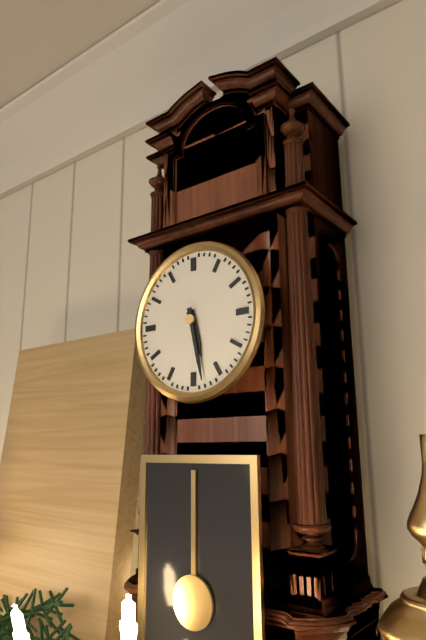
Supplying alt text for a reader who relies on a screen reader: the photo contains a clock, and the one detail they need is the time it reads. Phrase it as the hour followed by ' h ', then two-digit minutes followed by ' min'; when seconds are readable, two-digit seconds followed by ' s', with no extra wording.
5 h 28 min
